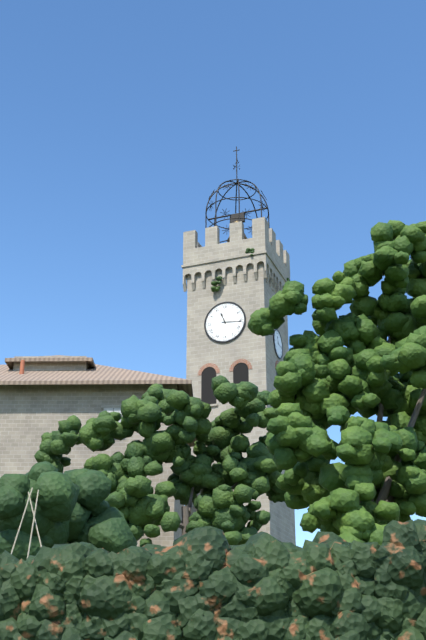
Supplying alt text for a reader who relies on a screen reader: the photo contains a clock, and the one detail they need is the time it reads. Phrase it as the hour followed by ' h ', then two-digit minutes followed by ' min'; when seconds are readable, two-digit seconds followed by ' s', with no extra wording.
11 h 16 min
